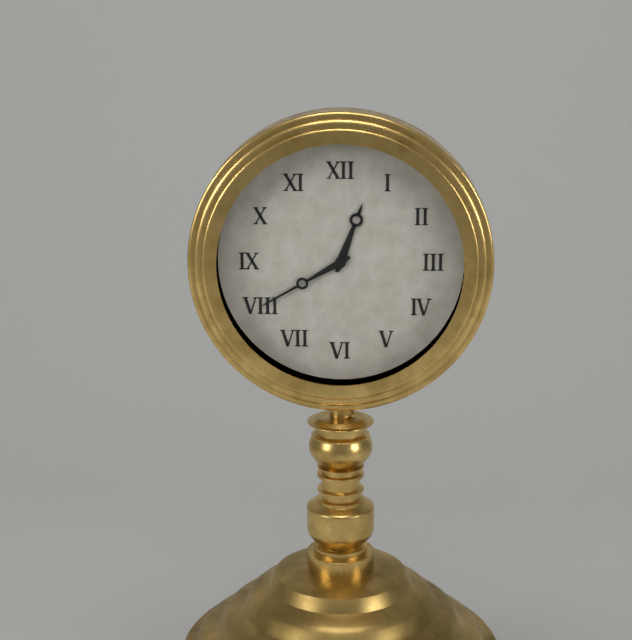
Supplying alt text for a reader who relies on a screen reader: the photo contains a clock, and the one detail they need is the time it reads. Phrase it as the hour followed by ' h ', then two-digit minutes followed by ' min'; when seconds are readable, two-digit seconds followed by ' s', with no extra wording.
12 h 40 min
